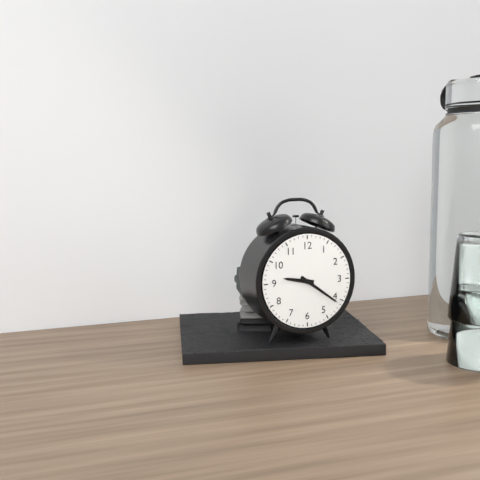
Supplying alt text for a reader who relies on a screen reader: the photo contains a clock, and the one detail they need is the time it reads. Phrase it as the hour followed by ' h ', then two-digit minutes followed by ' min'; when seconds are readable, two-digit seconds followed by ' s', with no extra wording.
9 h 21 min
